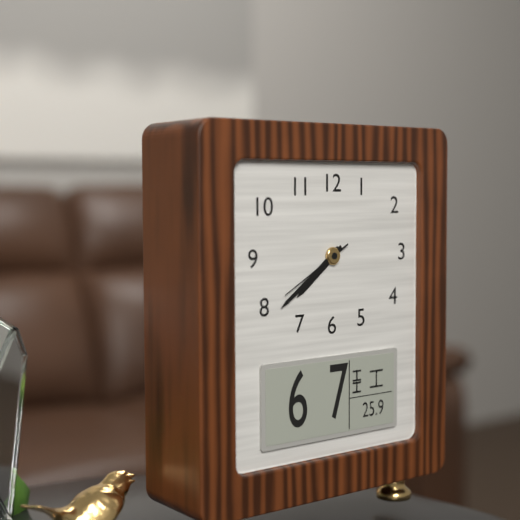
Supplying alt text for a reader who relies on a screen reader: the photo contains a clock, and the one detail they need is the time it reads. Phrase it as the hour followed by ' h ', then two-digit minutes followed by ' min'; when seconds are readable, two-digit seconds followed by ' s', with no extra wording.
7 h 39 min 40 s
